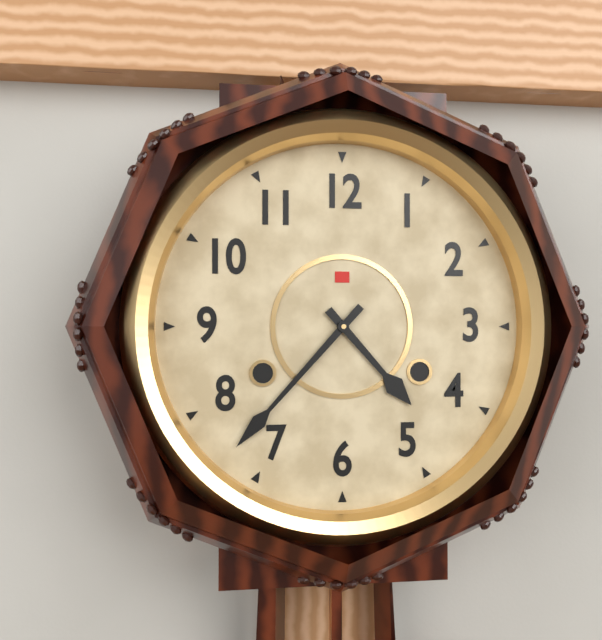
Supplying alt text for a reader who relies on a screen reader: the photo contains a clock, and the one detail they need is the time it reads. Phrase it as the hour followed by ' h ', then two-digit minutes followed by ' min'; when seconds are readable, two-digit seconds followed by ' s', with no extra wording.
4 h 37 min
